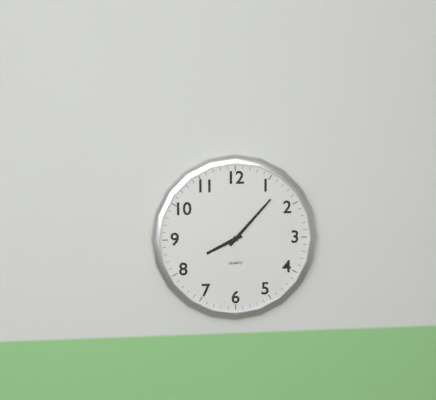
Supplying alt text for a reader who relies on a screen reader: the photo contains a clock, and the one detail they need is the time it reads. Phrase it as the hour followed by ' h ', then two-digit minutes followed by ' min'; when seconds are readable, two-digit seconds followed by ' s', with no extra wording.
8 h 07 min
